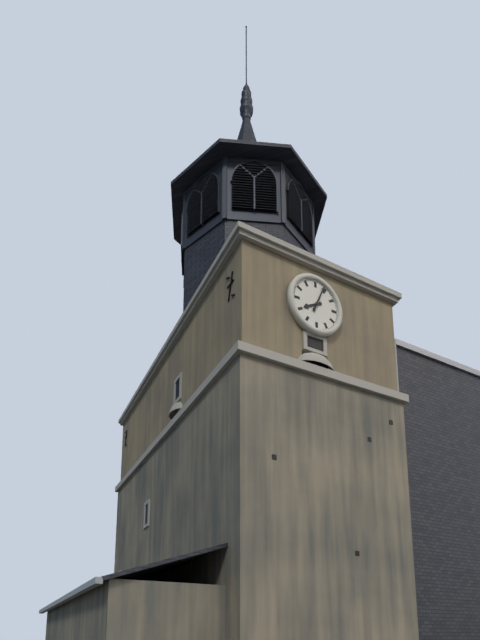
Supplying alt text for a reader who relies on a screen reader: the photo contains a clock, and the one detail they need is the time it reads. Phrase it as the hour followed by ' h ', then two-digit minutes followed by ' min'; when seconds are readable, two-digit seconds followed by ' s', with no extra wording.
8 h 04 min
